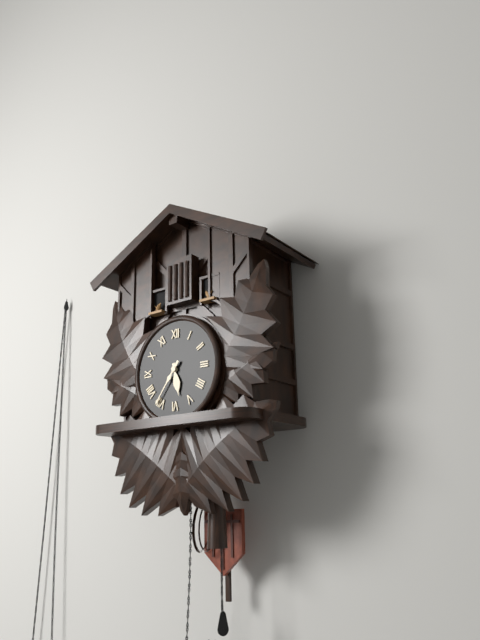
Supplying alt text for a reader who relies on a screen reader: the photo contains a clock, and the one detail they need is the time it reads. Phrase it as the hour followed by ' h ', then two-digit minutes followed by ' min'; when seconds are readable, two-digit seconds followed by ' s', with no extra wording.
5 h 36 min
